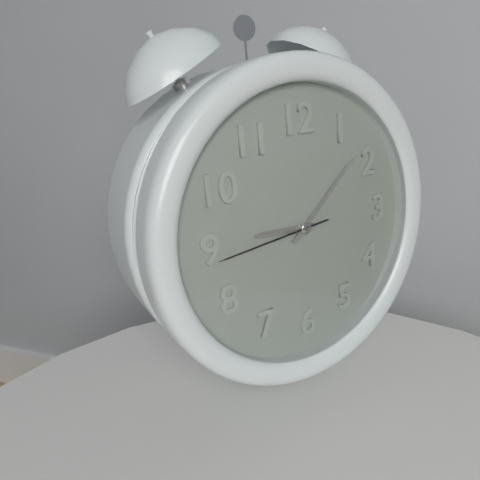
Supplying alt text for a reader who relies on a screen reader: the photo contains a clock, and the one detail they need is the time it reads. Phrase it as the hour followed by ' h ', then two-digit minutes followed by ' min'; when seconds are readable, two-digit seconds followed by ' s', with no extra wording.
9 h 08 min 44 s
